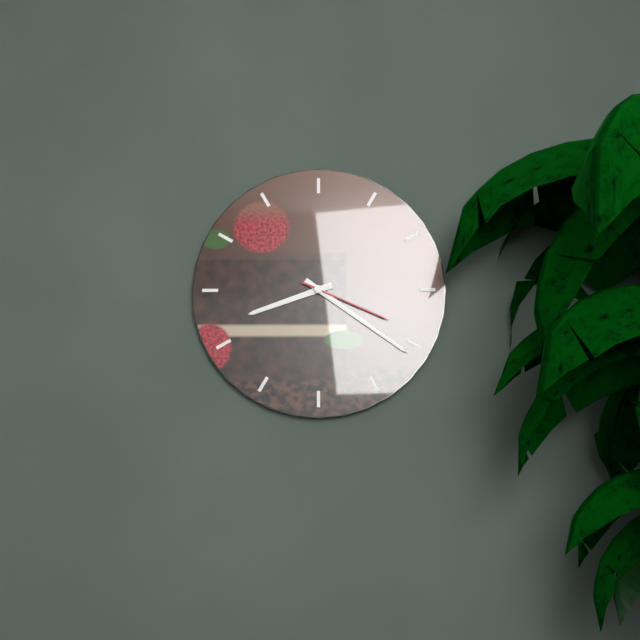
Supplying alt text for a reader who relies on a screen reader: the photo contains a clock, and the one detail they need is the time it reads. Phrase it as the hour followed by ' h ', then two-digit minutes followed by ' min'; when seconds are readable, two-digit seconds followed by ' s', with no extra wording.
8 h 21 min 19 s
